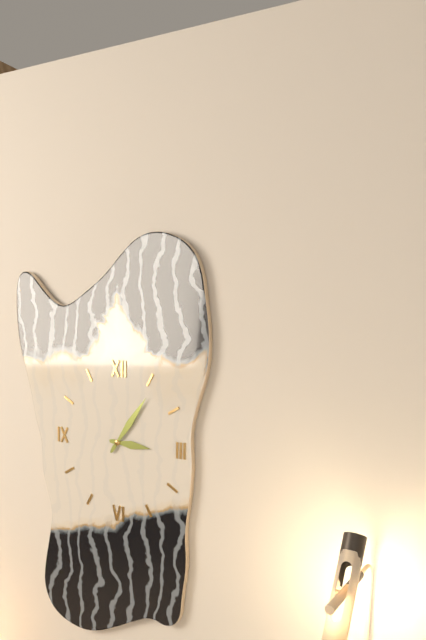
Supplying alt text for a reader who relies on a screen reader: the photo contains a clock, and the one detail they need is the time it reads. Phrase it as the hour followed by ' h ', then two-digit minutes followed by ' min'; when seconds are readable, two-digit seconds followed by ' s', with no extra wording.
3 h 06 min
